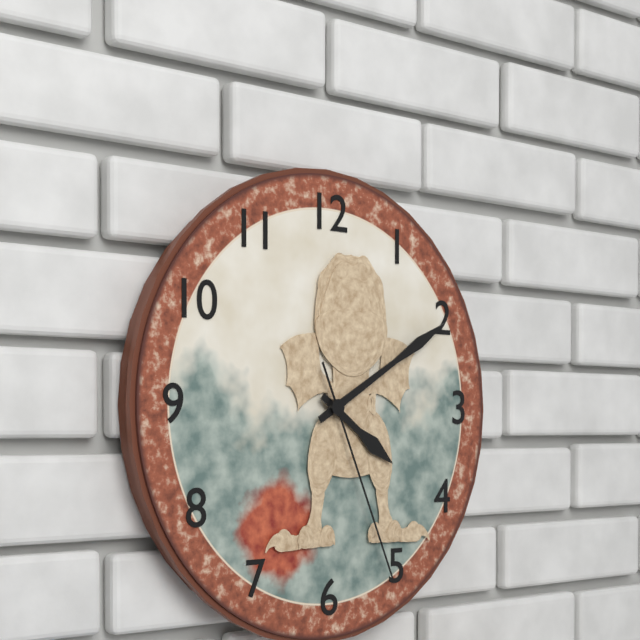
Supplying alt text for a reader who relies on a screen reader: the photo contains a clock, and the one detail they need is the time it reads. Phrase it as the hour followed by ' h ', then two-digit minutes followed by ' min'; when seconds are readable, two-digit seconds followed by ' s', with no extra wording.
4 h 10 min 26 s
